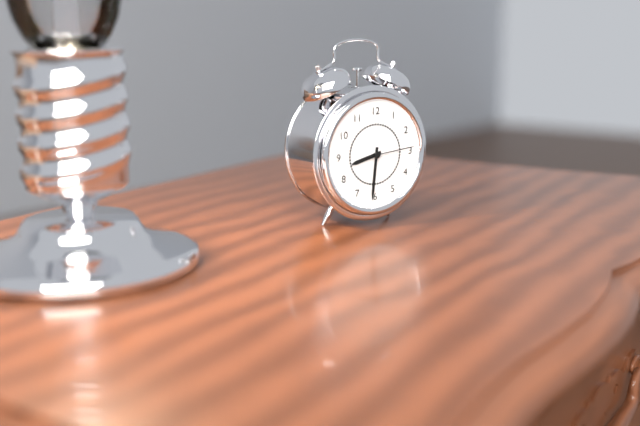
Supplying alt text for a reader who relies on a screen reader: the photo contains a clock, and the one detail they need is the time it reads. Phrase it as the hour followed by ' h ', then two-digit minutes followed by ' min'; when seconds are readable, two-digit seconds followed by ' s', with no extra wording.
8 h 31 min 14 s
